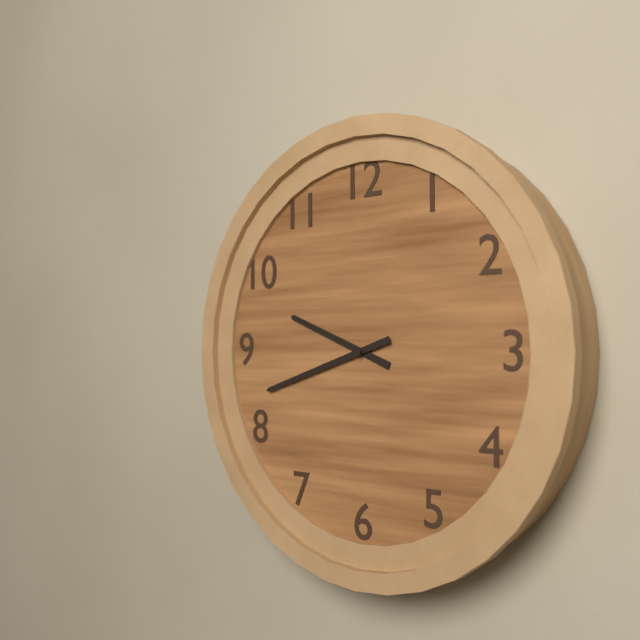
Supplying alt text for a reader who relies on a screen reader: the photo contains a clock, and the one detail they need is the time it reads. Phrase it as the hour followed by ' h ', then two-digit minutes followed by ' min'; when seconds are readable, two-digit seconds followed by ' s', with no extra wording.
9 h 42 min
